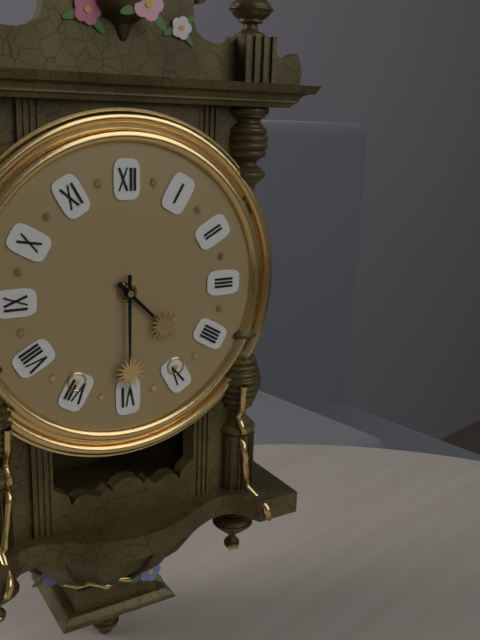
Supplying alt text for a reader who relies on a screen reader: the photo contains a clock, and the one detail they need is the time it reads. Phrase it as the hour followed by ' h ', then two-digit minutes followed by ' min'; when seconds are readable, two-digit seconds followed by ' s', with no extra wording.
4 h 30 min
